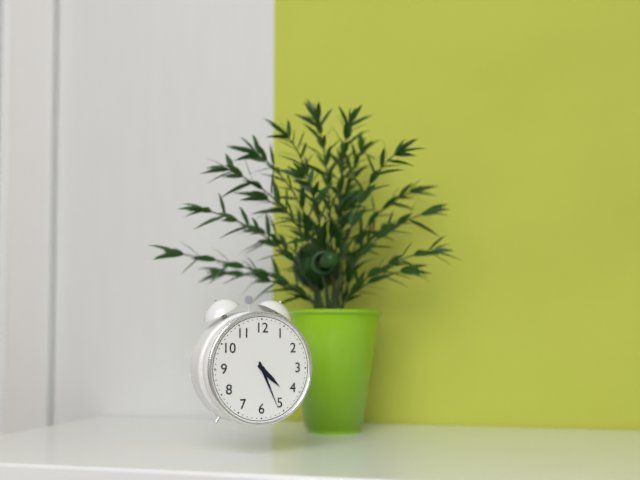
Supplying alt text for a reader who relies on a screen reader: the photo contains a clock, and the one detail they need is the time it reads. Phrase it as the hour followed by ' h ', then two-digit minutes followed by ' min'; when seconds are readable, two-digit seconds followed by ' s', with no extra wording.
4 h 26 min
